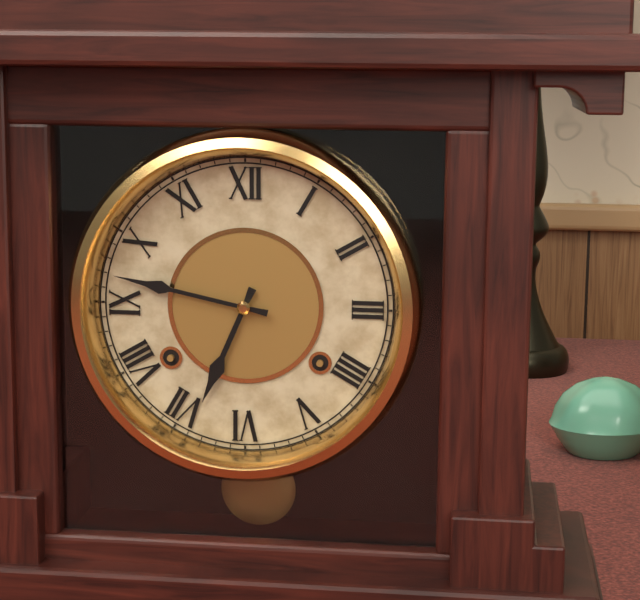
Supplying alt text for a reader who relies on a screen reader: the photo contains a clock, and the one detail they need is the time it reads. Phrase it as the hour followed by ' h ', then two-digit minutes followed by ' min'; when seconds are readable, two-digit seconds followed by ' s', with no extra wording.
6 h 47 min
